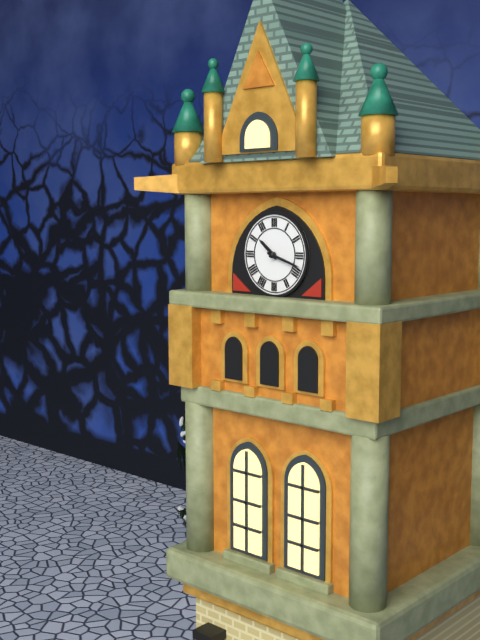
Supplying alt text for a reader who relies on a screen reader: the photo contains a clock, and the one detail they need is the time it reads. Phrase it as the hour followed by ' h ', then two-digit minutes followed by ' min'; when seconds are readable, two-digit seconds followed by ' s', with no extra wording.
10 h 18 min
